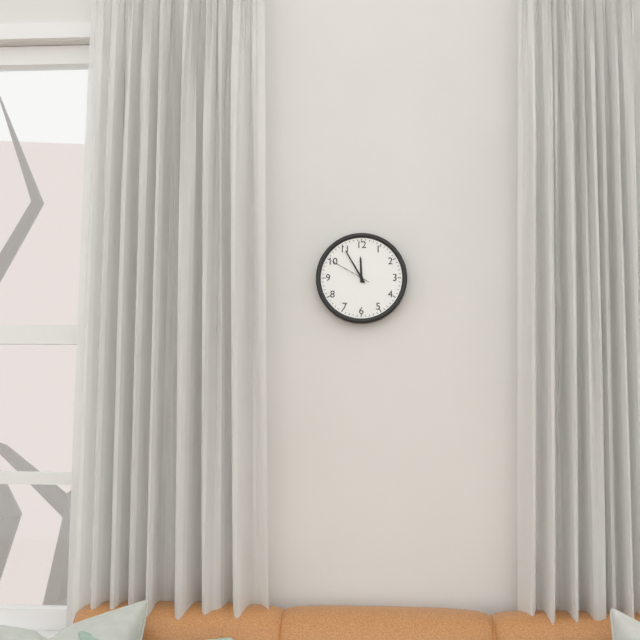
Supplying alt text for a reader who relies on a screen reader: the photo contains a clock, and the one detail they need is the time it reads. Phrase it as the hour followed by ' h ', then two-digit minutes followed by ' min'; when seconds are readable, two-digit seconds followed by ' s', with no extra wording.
11 h 55 min
